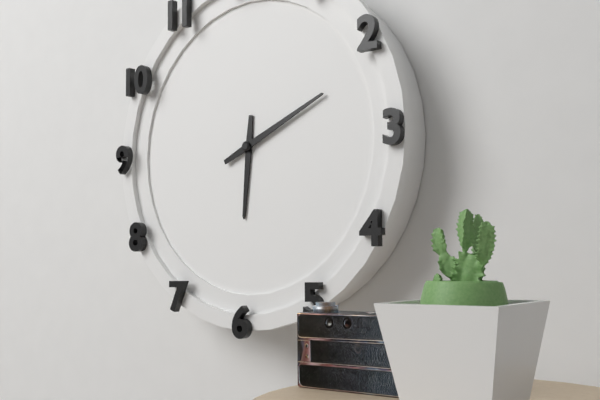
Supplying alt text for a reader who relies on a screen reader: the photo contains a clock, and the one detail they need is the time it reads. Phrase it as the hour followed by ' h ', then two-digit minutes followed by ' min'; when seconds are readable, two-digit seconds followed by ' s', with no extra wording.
6 h 11 min
